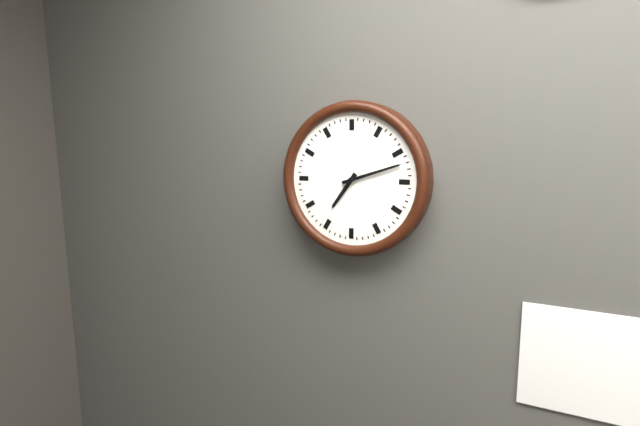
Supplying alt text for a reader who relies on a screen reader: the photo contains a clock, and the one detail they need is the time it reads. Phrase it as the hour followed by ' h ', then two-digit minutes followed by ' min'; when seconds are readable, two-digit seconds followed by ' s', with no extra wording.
7 h 12 min
